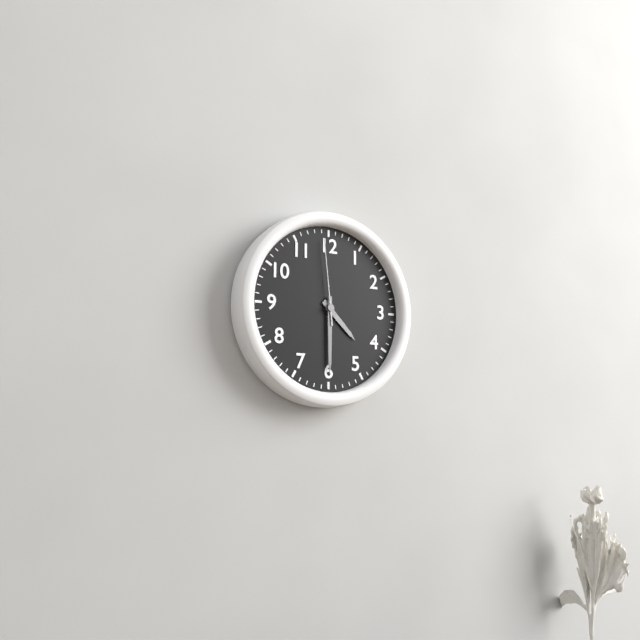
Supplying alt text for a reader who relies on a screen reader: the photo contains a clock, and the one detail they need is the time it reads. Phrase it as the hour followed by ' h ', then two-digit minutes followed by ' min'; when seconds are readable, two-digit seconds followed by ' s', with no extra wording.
4 h 30 min 59 s
